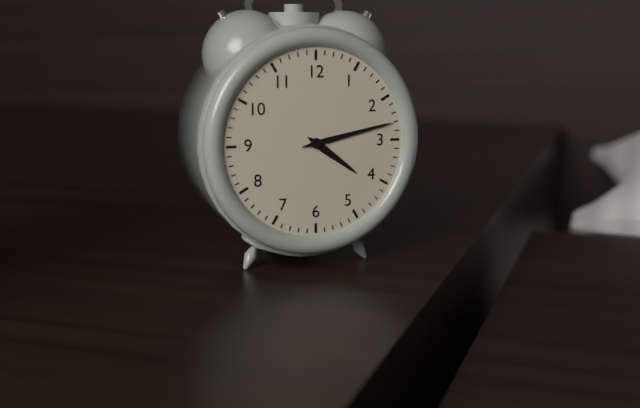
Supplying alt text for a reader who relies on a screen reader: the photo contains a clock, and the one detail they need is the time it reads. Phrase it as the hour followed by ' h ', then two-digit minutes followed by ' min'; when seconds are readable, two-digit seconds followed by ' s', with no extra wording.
4 h 13 min
